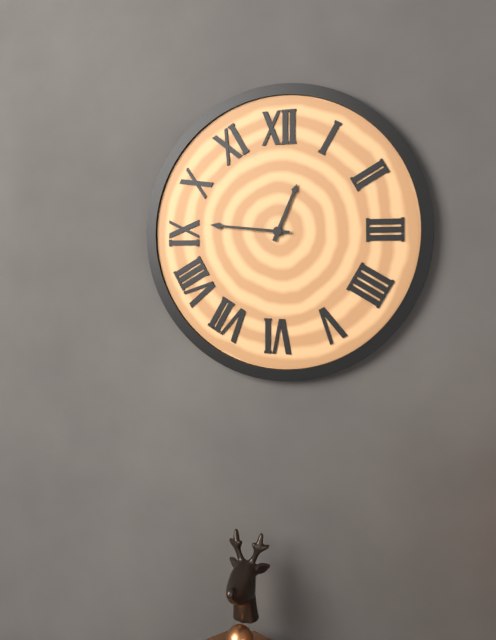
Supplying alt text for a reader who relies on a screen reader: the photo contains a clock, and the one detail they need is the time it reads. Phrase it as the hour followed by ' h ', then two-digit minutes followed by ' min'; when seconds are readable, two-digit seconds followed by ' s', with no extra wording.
12 h 46 min
